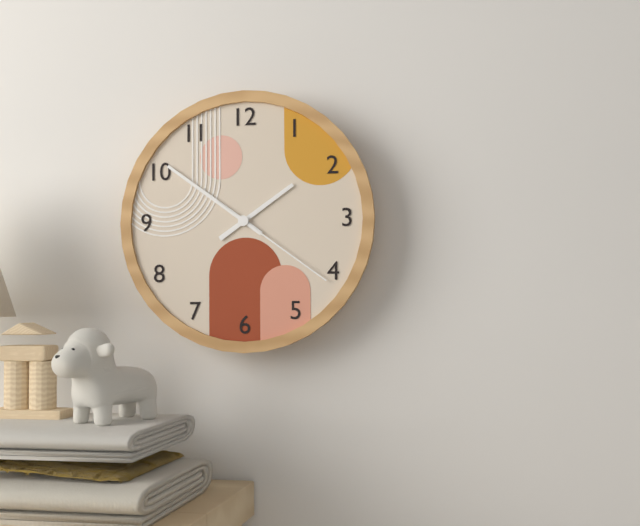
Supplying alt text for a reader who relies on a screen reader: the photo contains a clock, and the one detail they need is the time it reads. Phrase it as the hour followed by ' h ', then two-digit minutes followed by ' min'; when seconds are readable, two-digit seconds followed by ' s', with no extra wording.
1 h 51 min 21 s
